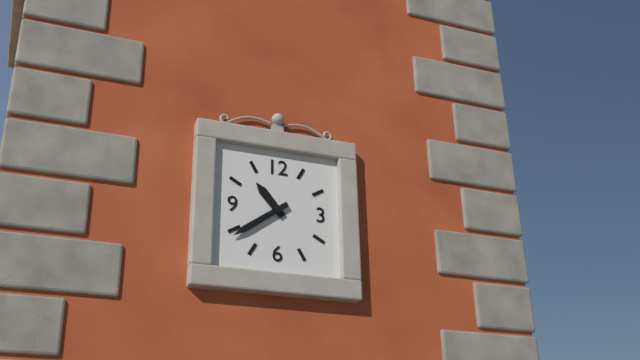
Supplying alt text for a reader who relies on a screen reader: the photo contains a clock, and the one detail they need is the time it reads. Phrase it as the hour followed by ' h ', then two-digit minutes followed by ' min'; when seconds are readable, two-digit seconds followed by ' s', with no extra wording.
10 h 39 min
